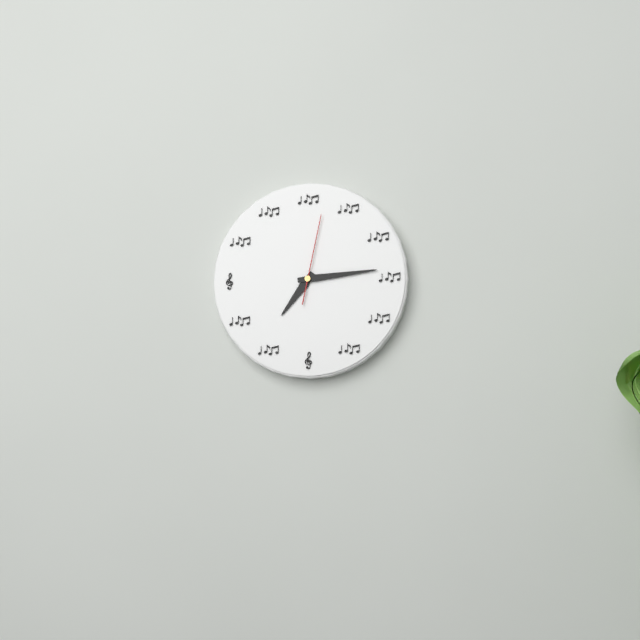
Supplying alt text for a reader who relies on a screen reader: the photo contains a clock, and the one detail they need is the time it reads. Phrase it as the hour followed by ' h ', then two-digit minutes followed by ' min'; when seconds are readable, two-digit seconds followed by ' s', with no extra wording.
7 h 14 min 02 s
